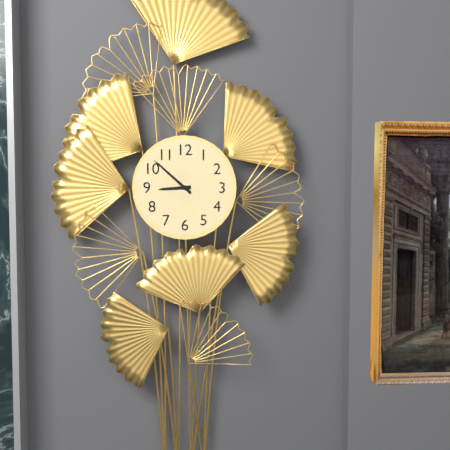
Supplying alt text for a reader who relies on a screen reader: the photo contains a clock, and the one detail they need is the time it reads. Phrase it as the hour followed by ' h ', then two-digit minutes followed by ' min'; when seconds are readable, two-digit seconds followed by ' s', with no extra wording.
8 h 52 min
